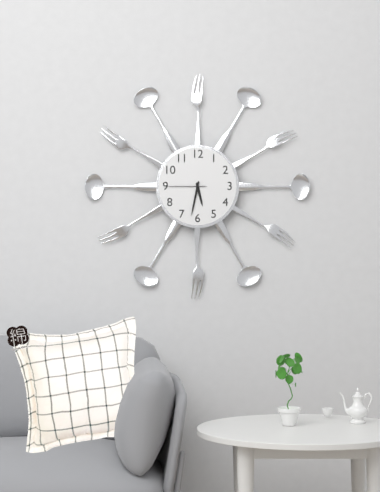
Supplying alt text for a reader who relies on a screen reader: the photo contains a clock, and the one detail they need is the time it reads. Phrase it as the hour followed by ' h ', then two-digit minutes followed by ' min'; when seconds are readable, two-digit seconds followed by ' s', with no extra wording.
5 h 32 min
